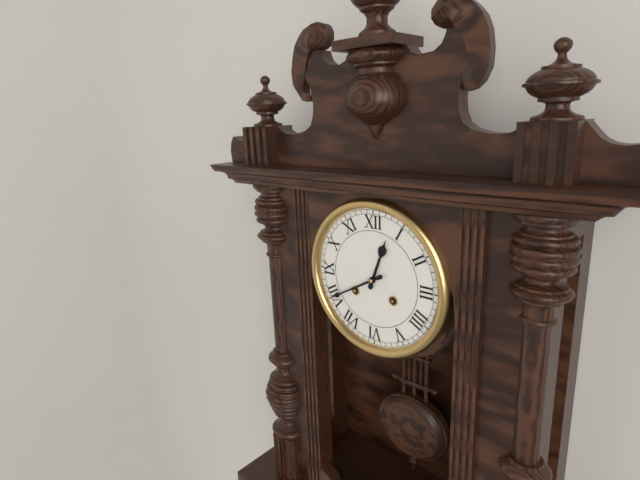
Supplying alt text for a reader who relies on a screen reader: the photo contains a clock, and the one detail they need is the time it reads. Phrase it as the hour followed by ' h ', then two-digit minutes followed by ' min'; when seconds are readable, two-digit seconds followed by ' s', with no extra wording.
12 h 40 min
